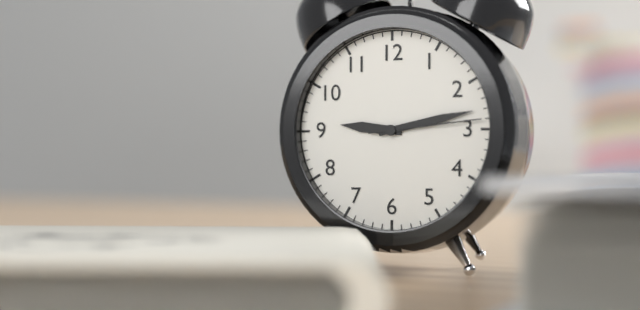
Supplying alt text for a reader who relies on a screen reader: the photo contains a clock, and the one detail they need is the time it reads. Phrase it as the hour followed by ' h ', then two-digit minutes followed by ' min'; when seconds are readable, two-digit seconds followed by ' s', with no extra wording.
9 h 13 min 14 s
